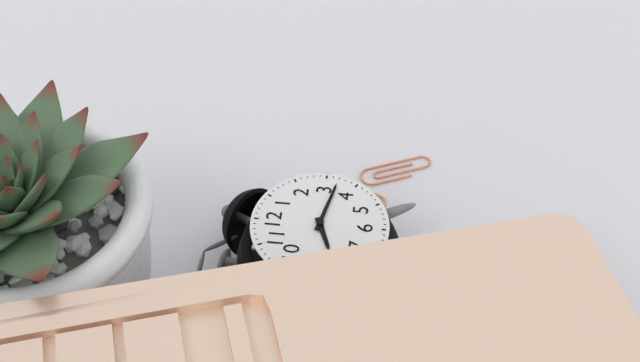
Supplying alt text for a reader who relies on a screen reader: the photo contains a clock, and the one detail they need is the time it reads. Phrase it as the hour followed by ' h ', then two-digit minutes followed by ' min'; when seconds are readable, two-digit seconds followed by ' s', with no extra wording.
8 h 17 min
